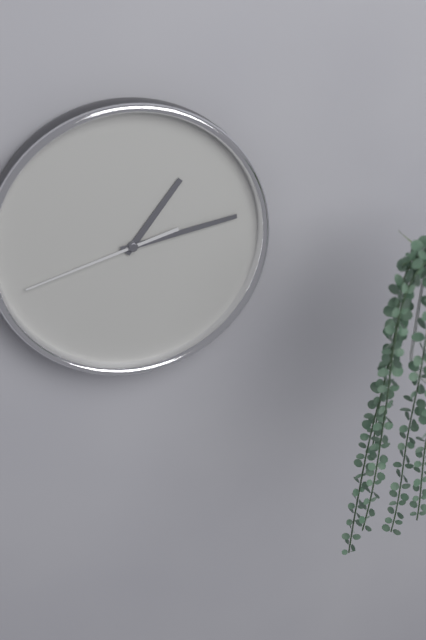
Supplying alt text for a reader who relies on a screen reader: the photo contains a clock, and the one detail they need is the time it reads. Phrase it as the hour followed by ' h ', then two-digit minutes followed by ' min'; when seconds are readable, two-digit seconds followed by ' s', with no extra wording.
1 h 13 min 42 s
